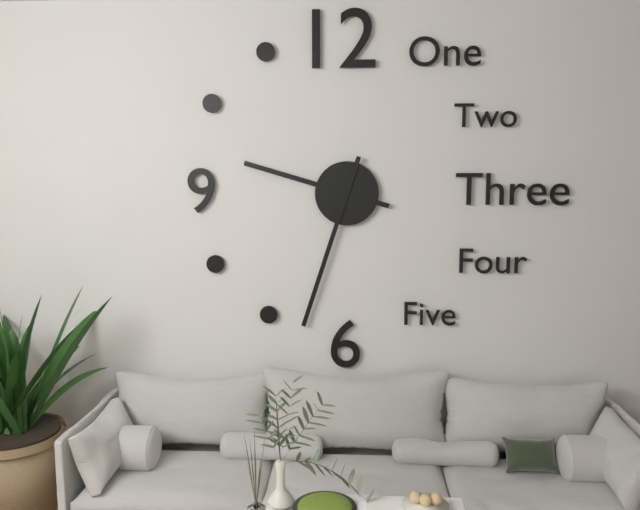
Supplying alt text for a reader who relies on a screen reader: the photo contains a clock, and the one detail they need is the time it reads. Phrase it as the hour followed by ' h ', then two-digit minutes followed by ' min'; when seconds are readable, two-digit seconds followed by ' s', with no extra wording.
9 h 33 min
